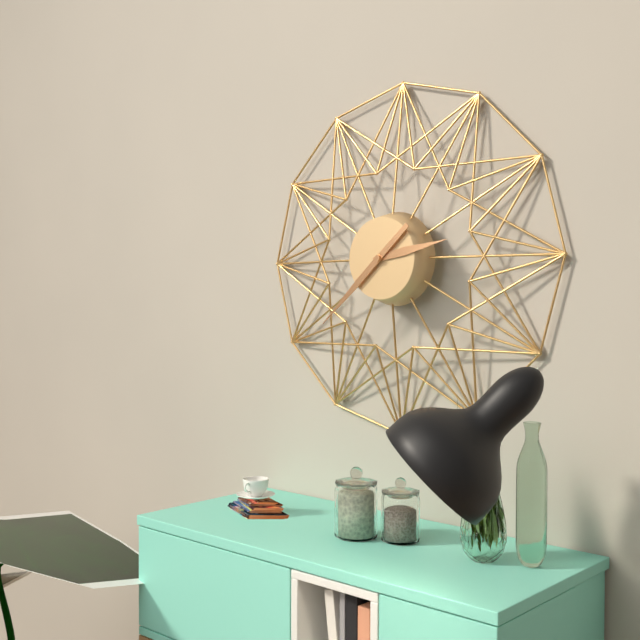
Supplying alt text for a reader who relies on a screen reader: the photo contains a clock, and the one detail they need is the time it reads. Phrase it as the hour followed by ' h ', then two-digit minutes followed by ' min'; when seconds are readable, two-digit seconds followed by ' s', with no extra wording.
2 h 38 min
